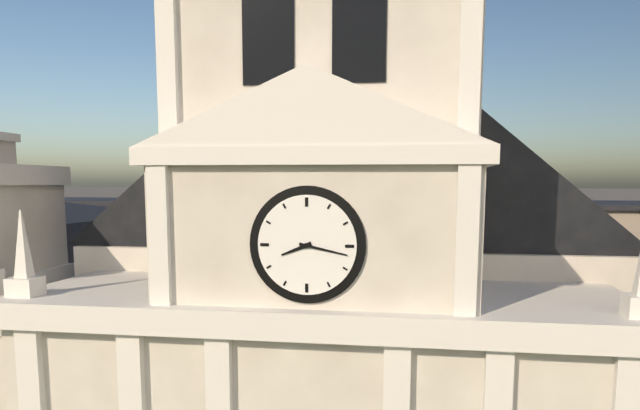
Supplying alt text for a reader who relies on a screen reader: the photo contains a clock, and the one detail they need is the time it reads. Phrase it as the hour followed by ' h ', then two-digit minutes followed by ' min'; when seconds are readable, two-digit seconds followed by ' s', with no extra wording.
8 h 17 min
